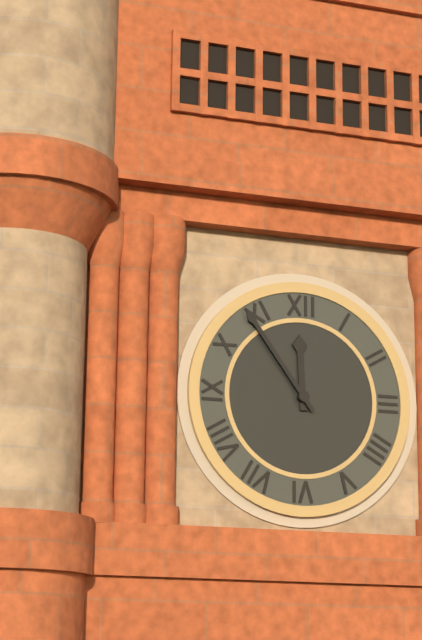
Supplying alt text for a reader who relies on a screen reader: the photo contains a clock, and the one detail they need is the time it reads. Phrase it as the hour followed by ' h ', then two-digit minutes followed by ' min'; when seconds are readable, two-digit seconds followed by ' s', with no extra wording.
11 h 54 min
